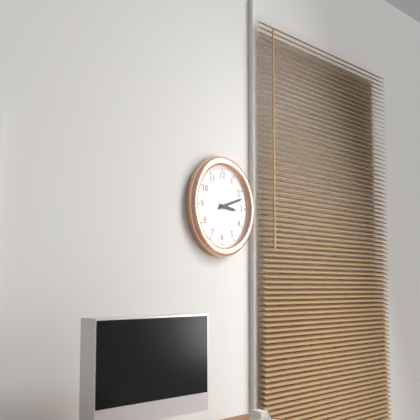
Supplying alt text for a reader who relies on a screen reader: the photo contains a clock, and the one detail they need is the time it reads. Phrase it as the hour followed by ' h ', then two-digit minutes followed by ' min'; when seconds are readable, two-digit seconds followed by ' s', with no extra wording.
3 h 12 min
